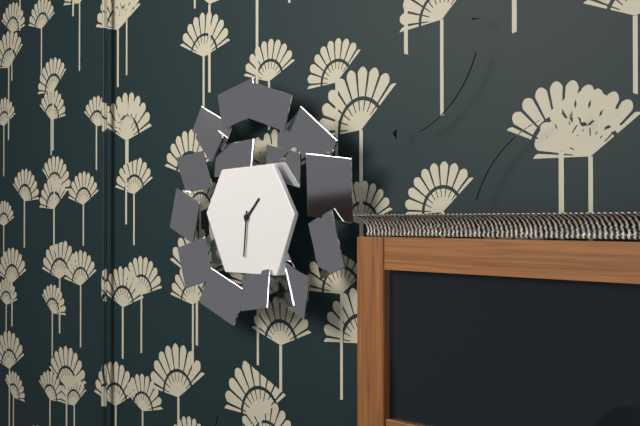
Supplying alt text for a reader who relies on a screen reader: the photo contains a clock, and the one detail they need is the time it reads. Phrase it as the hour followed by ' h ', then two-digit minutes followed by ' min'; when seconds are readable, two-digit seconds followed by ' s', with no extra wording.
1 h 31 min
